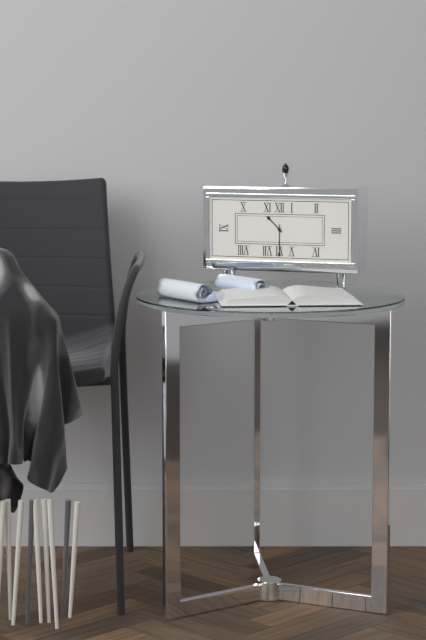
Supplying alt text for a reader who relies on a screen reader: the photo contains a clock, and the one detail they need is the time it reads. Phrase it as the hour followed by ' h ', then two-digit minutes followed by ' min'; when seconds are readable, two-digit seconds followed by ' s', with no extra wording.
10 h 30 min
